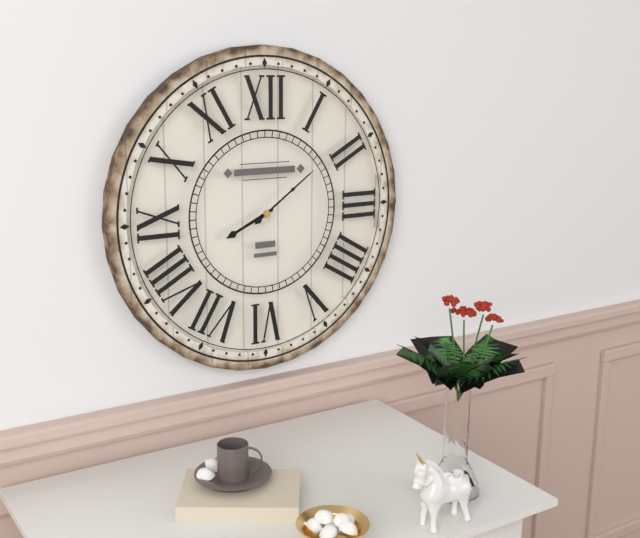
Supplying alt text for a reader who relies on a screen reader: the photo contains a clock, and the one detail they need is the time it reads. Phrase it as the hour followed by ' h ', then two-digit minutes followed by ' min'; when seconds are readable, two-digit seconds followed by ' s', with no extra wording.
8 h 09 min
